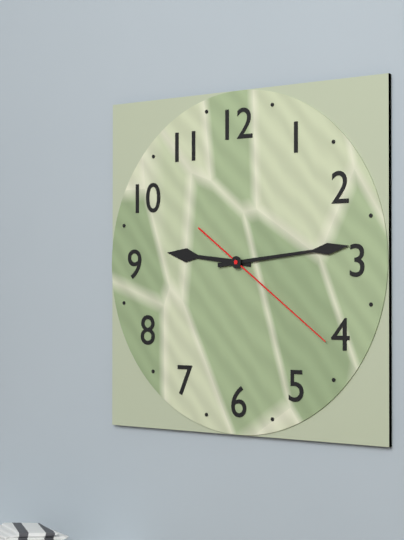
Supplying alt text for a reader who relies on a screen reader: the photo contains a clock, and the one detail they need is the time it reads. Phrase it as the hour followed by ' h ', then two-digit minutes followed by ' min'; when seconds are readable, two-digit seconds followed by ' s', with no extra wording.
9 h 14 min 21 s
